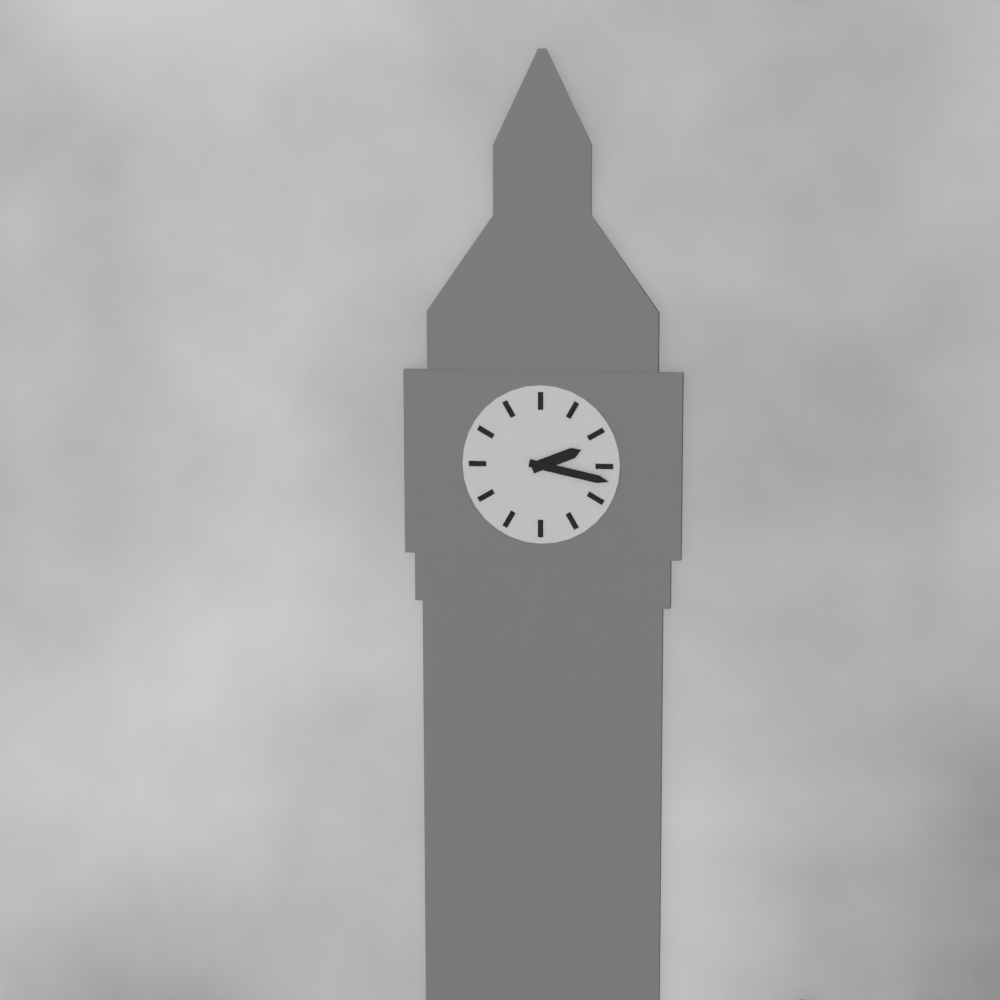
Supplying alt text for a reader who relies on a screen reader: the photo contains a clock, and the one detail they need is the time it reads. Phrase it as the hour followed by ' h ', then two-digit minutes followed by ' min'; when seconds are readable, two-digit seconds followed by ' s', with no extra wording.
2 h 17 min
